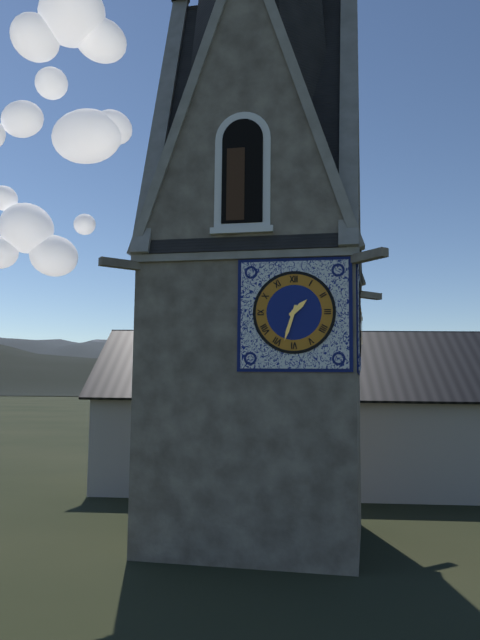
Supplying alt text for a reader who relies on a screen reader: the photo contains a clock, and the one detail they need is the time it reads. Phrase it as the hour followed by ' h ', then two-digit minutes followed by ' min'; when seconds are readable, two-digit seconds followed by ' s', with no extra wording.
1 h 33 min
